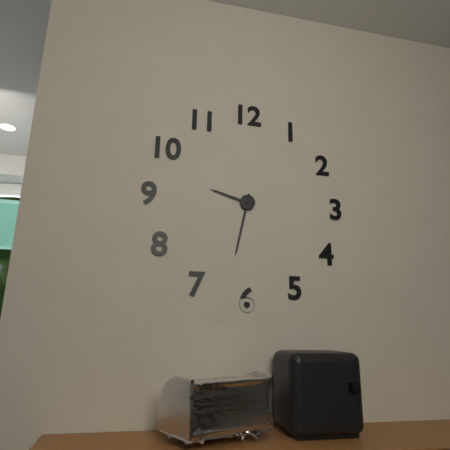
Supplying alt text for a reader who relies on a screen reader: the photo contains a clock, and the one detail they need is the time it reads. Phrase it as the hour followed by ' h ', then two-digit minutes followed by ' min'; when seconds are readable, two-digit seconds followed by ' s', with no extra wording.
9 h 32 min
